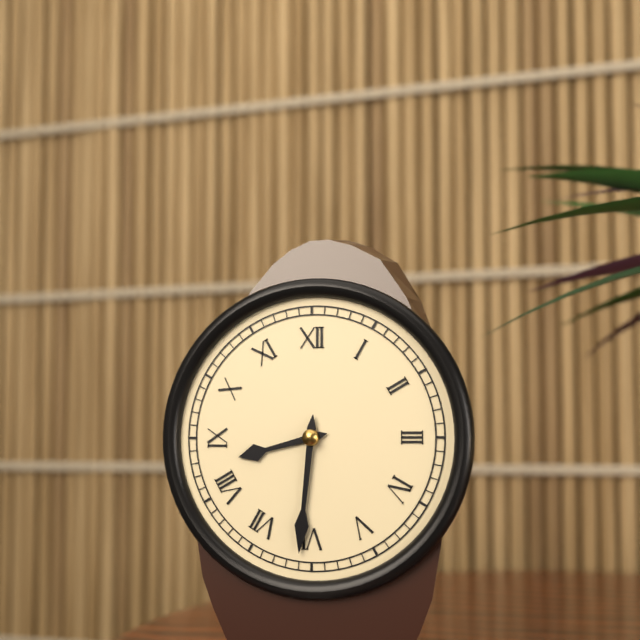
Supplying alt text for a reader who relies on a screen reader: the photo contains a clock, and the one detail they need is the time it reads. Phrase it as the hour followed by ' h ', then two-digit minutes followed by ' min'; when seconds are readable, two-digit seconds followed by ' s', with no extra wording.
8 h 31 min
